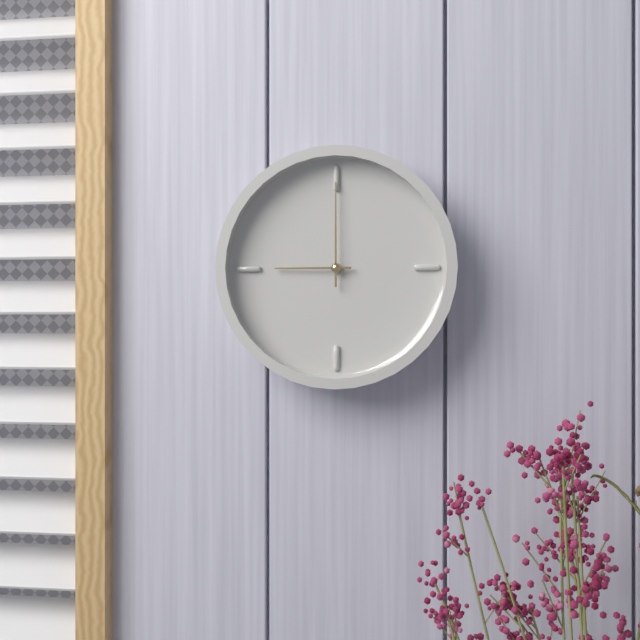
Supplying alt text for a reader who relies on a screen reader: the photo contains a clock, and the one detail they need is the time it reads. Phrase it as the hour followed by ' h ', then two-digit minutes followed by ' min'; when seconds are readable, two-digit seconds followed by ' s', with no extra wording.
9 h 00 min
